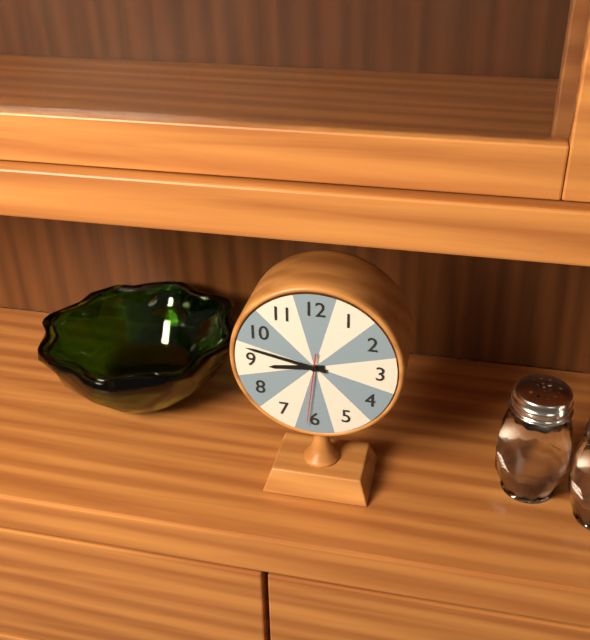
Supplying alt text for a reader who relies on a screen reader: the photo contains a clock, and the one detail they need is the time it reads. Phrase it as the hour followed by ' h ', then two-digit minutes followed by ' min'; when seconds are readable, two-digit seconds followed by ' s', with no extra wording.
8 h 47 min 31 s
